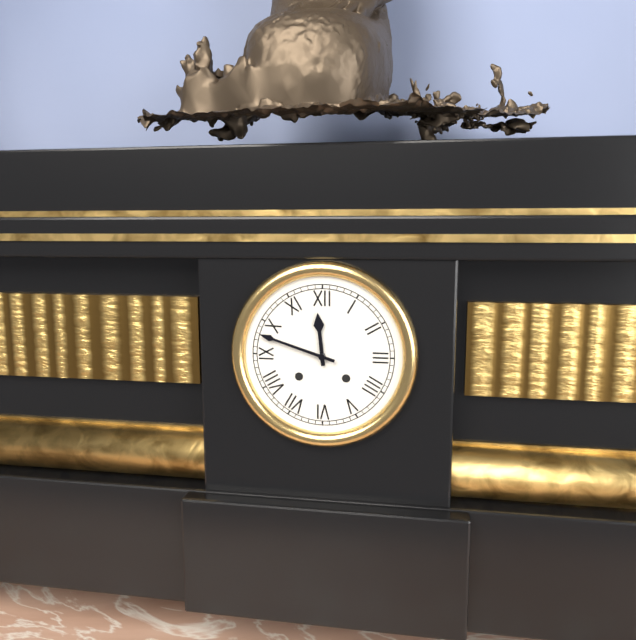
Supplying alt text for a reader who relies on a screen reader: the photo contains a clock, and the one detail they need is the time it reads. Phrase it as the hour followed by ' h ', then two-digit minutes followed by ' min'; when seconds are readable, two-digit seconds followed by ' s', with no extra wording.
11 h 48 min
